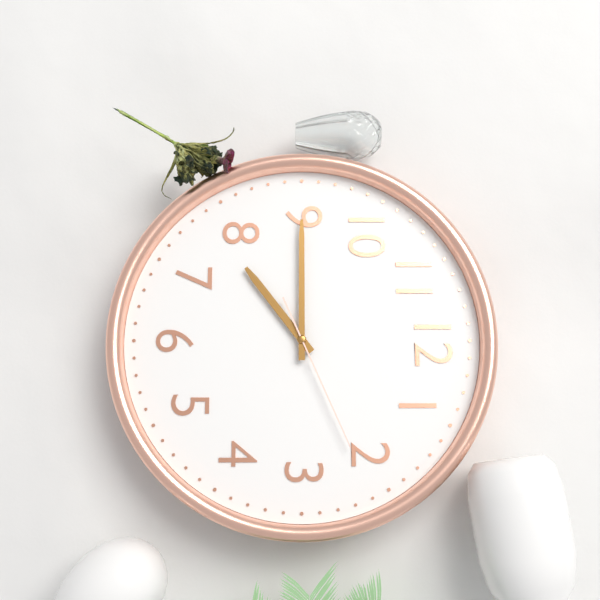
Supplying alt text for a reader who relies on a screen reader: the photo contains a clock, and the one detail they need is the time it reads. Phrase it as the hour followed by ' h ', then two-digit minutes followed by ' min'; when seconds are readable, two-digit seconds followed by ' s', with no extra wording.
7 h 45 min 11 s
